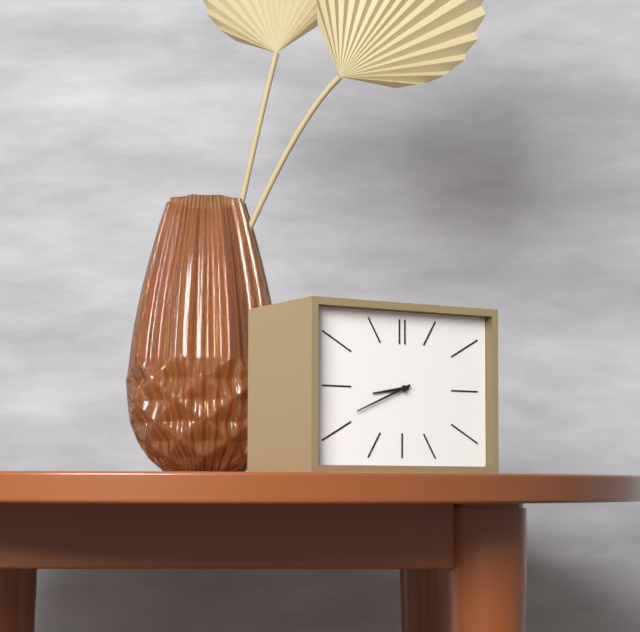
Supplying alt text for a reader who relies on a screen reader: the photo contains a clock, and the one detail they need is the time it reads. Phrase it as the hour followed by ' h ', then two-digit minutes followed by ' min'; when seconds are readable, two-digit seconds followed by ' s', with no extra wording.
8 h 41 min
